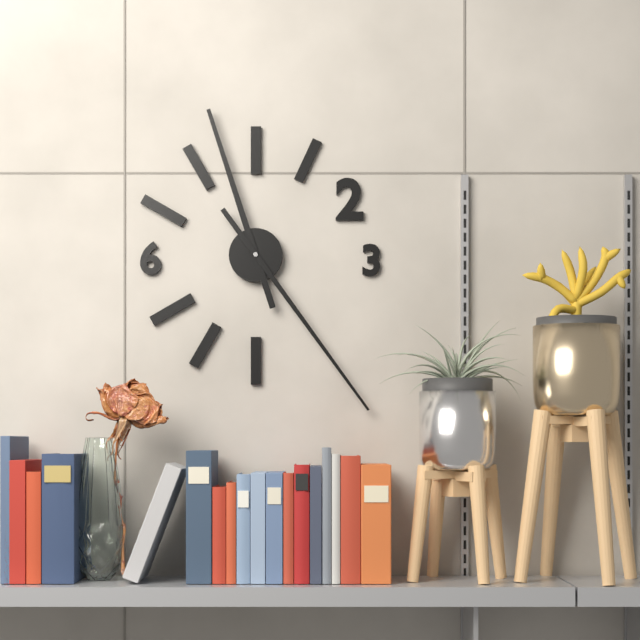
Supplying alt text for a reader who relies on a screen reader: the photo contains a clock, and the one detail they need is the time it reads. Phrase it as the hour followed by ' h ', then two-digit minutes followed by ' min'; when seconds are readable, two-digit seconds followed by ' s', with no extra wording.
11 h 24 min
